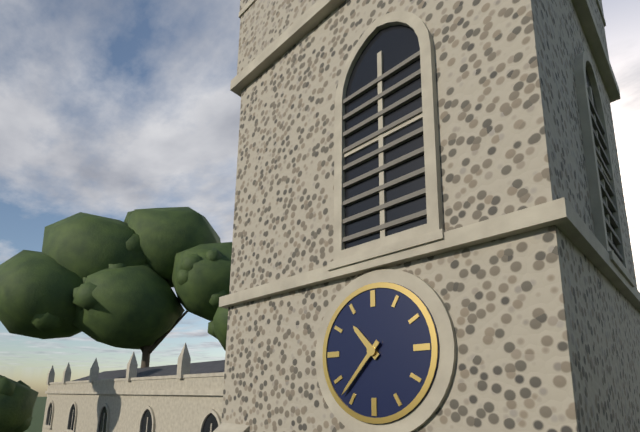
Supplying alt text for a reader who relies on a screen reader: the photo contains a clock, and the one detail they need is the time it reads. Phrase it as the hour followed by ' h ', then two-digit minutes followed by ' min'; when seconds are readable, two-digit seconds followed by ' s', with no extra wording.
10 h 37 min
